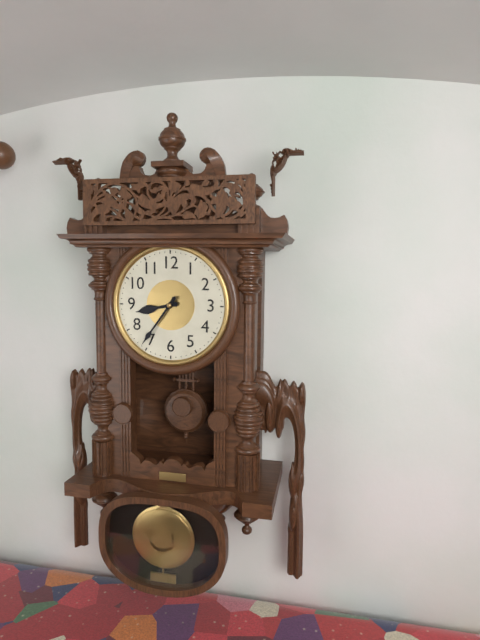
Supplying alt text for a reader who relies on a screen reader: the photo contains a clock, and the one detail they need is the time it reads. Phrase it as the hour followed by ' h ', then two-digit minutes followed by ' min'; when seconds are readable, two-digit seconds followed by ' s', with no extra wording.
8 h 36 min
